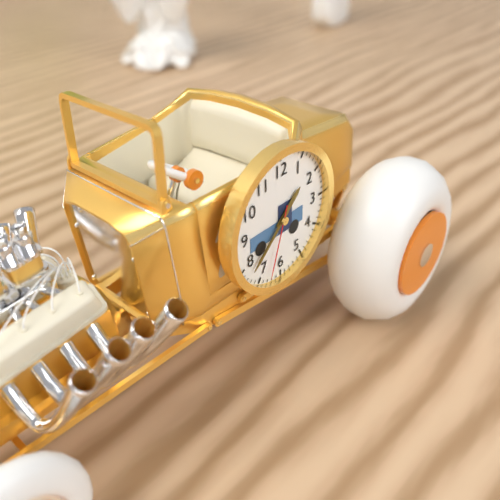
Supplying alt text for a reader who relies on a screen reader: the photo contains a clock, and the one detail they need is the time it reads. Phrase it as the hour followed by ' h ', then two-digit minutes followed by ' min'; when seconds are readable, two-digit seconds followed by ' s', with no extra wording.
1 h 38 min 33 s
